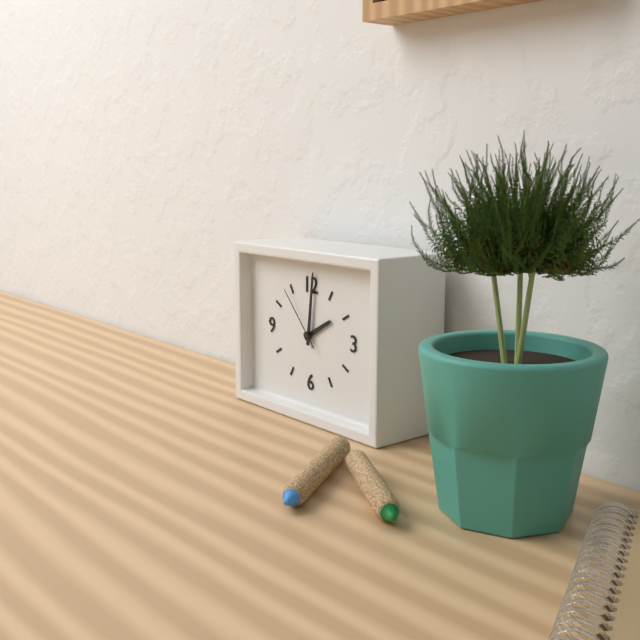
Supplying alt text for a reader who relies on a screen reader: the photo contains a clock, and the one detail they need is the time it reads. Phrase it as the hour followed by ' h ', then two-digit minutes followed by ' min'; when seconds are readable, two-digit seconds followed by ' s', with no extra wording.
2 h 01 min 53 s
